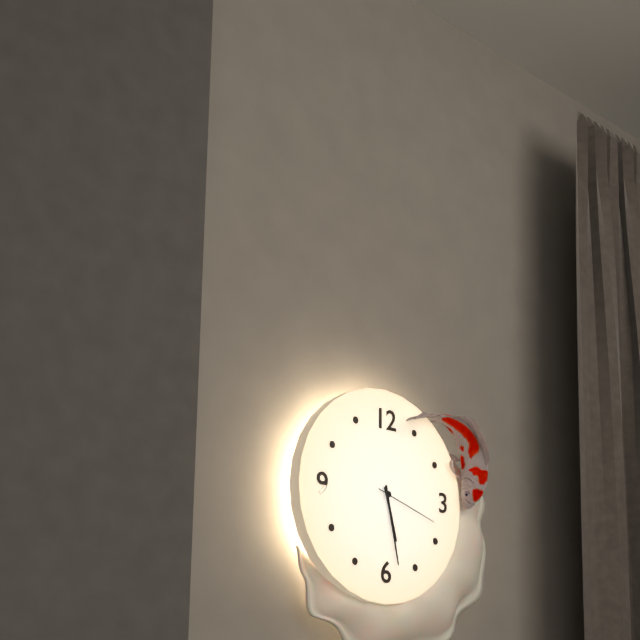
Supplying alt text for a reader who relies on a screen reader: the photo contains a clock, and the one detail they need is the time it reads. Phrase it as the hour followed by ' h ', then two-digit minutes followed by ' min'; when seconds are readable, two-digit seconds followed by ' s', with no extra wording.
5 h 28 min 18 s
